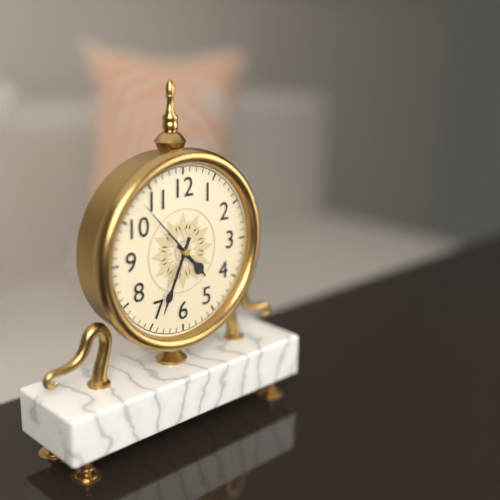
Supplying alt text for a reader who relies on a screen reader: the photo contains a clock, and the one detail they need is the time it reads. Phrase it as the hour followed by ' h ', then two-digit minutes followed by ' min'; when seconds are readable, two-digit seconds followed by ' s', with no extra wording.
4 h 34 min 53 s
